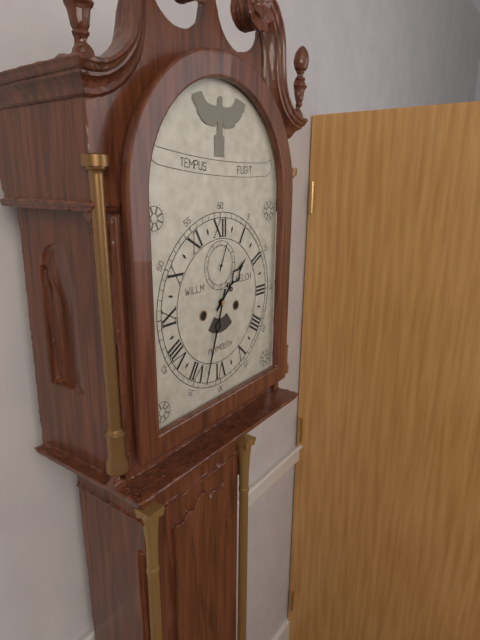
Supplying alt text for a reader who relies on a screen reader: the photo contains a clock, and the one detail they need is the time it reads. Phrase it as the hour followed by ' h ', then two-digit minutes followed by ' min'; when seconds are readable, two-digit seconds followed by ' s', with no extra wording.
1 h 33 min
